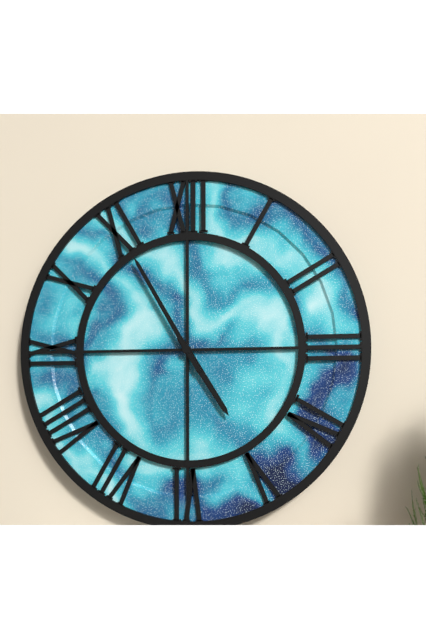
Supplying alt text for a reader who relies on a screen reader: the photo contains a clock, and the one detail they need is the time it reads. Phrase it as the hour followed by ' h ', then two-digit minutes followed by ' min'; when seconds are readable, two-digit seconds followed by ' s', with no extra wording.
4 h 55 min
